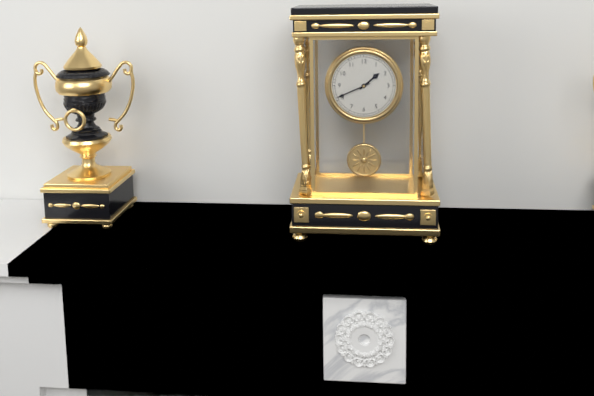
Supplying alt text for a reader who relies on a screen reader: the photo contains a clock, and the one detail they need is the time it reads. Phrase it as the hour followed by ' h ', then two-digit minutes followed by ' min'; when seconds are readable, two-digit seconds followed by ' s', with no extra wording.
1 h 41 min
